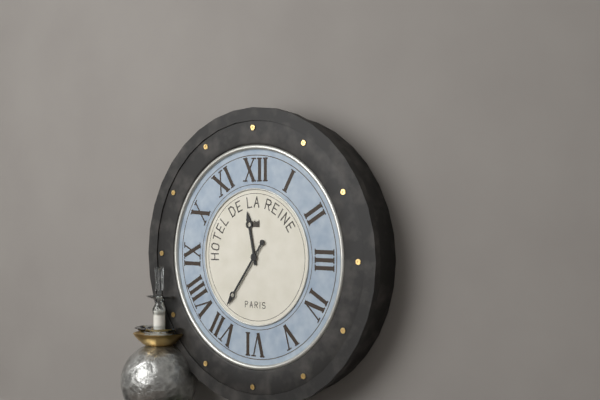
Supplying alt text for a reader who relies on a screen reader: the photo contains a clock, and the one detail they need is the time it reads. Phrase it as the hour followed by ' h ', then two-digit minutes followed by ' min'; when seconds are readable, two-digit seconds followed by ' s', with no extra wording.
11 h 36 min
